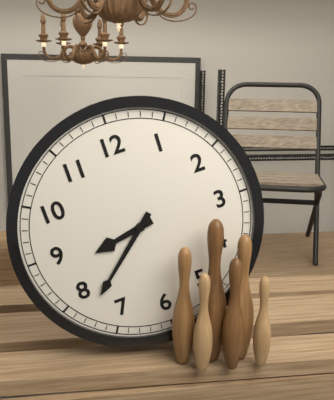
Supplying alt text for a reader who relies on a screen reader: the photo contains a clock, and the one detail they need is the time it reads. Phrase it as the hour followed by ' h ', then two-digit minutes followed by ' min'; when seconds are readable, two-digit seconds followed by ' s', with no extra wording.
8 h 38 min
